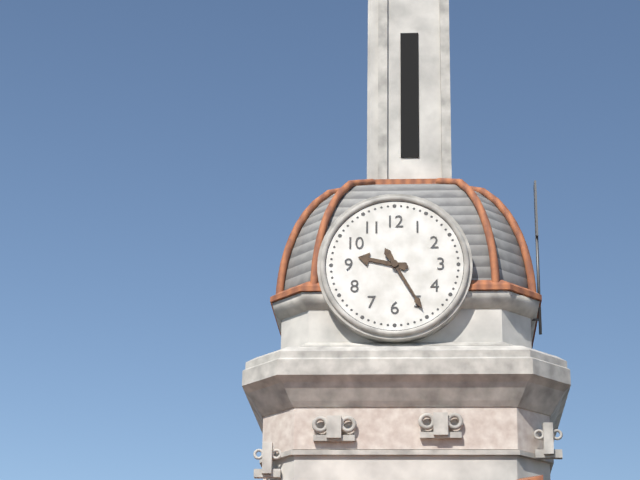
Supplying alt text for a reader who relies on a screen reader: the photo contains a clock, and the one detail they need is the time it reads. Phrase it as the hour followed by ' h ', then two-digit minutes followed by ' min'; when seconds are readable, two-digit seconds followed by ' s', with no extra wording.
9 h 25 min
